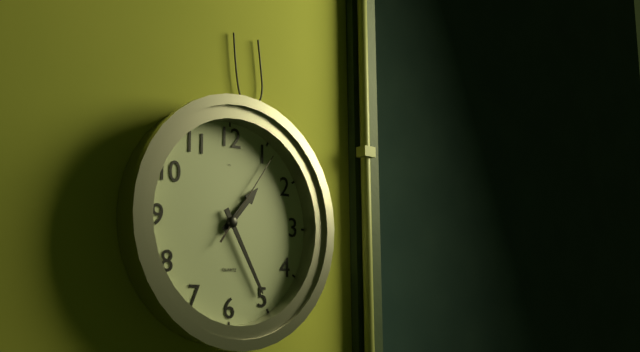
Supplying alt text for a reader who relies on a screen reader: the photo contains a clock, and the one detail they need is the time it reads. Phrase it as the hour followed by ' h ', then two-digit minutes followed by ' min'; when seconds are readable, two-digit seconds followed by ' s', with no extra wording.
1 h 25 min 06 s
